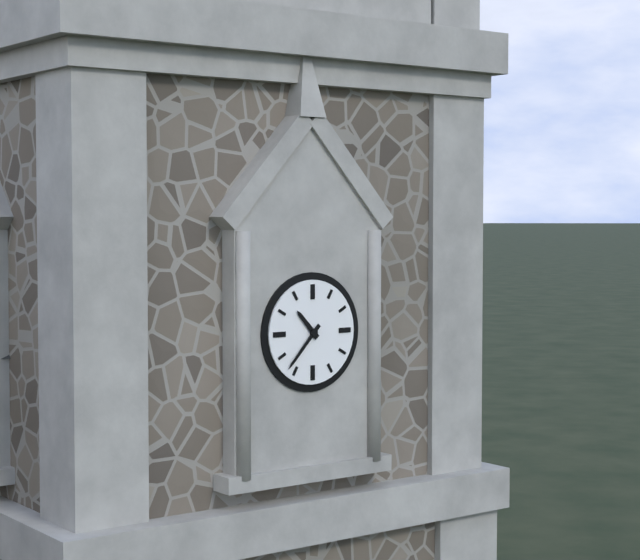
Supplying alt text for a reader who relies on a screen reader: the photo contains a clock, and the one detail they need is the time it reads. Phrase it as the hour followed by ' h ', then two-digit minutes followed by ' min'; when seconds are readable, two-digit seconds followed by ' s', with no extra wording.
10 h 37 min
